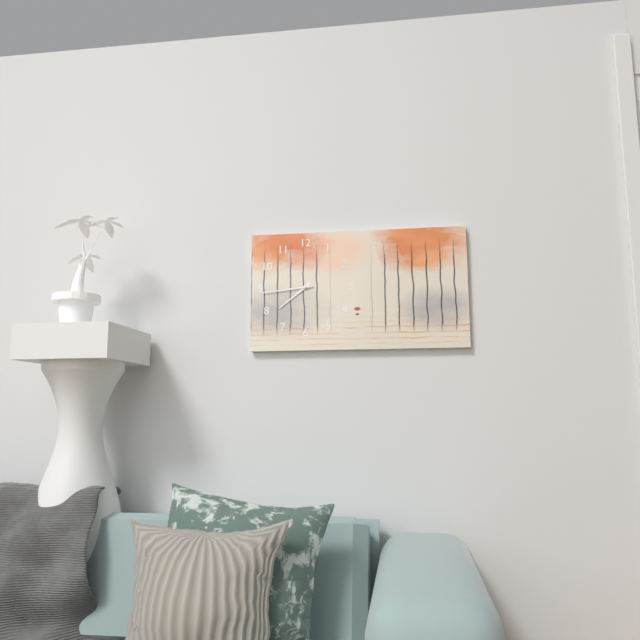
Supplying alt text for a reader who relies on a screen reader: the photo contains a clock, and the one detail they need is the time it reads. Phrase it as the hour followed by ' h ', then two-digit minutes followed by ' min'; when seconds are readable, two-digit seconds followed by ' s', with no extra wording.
7 h 44 min
